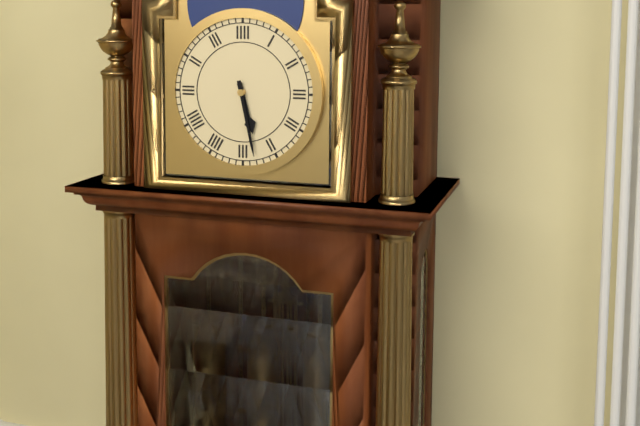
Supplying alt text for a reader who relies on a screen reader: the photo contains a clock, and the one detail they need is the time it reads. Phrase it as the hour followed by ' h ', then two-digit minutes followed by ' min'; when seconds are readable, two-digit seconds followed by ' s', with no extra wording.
5 h 28 min
